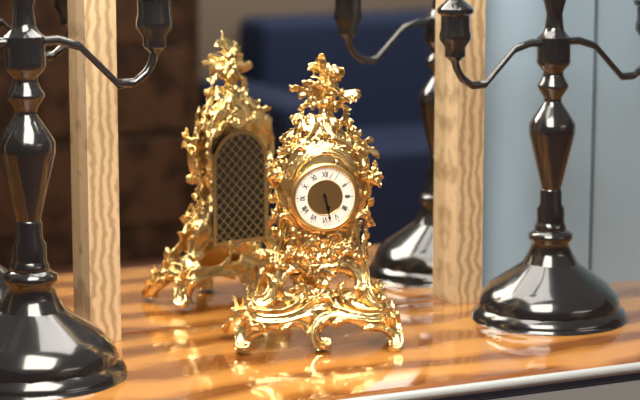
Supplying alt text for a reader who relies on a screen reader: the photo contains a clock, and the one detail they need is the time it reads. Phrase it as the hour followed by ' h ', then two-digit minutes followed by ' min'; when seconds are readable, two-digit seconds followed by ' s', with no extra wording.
5 h 28 min
